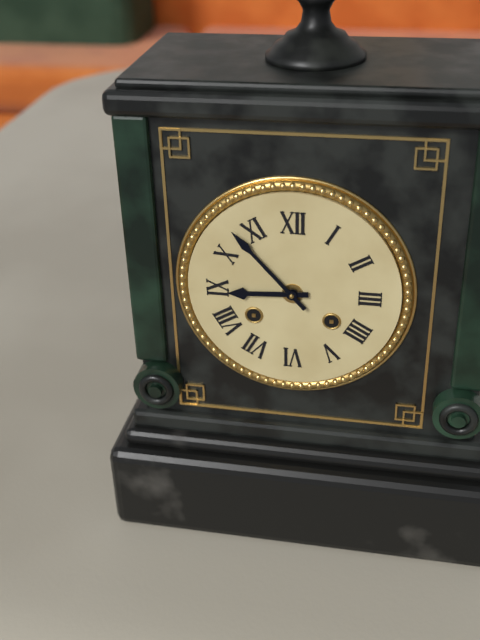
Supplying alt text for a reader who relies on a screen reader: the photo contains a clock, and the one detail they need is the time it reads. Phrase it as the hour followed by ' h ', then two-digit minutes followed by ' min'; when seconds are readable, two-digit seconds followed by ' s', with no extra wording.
8 h 53 min
